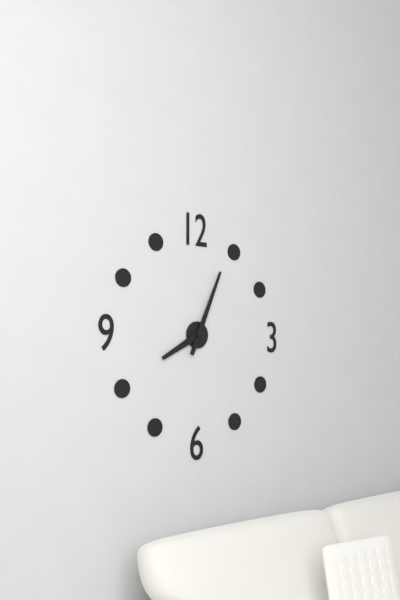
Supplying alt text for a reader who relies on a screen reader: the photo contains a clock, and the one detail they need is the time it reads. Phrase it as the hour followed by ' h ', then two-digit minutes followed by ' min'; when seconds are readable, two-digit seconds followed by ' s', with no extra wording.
8 h 04 min
